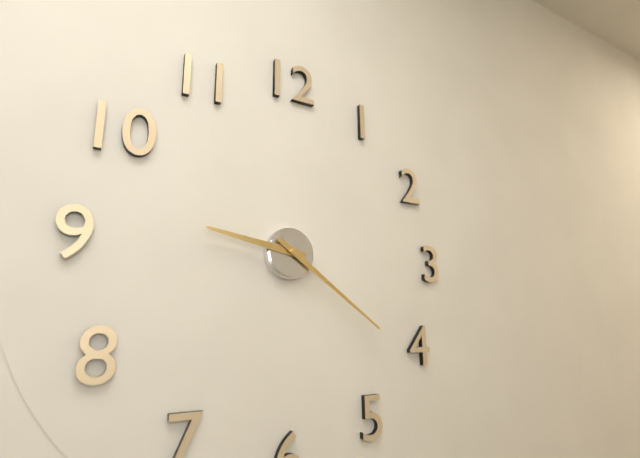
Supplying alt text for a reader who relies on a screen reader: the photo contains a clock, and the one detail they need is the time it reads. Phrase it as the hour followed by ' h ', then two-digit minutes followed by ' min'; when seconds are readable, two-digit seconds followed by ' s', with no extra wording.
9 h 21 min
